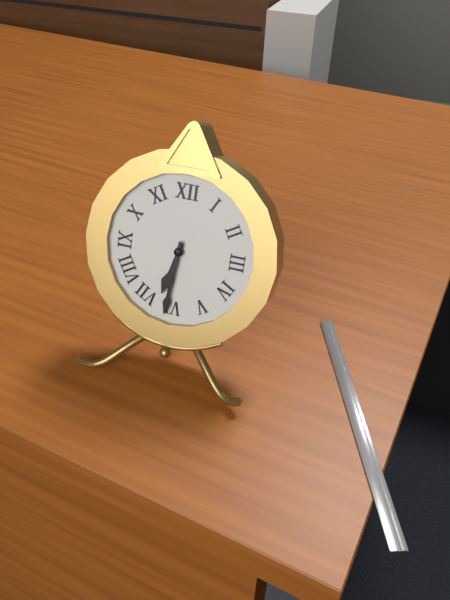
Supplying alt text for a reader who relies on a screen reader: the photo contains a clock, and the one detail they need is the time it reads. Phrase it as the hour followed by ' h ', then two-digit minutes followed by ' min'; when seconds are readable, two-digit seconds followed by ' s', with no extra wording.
6 h 31 min
